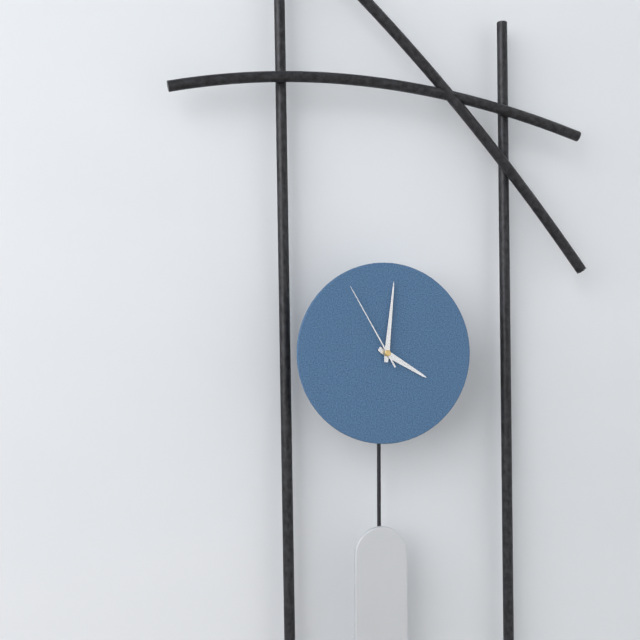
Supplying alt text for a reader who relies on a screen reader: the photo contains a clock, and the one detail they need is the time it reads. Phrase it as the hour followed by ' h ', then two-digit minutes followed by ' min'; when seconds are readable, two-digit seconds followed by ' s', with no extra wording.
4 h 01 min 55 s
